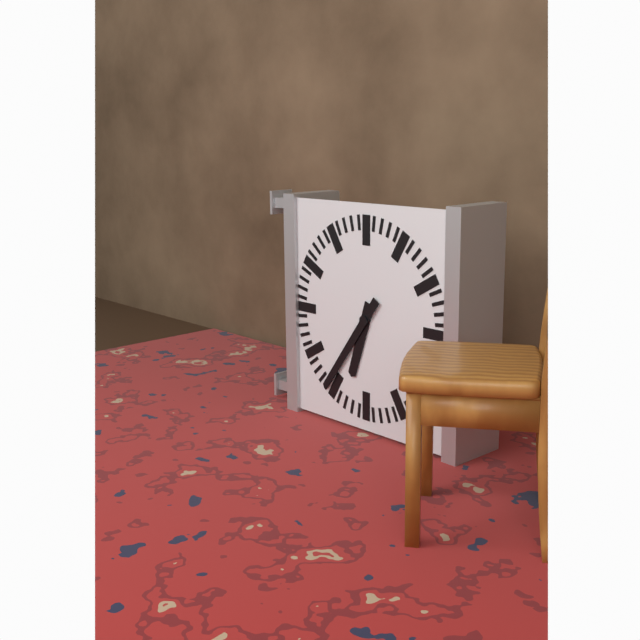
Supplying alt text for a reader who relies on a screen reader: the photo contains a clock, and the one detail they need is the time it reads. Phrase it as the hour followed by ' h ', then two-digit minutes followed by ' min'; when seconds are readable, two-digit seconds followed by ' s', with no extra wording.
6 h 36 min
